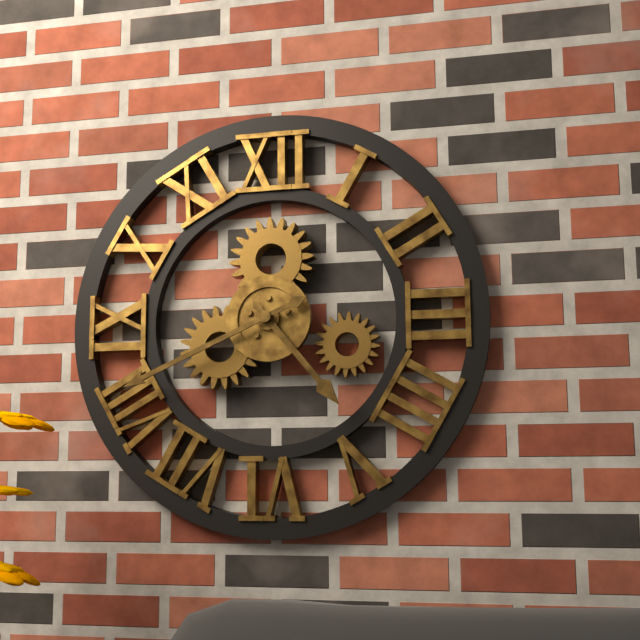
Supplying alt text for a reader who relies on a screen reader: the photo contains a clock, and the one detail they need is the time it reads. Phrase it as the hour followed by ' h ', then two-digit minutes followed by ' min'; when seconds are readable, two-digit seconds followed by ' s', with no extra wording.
4 h 41 min
